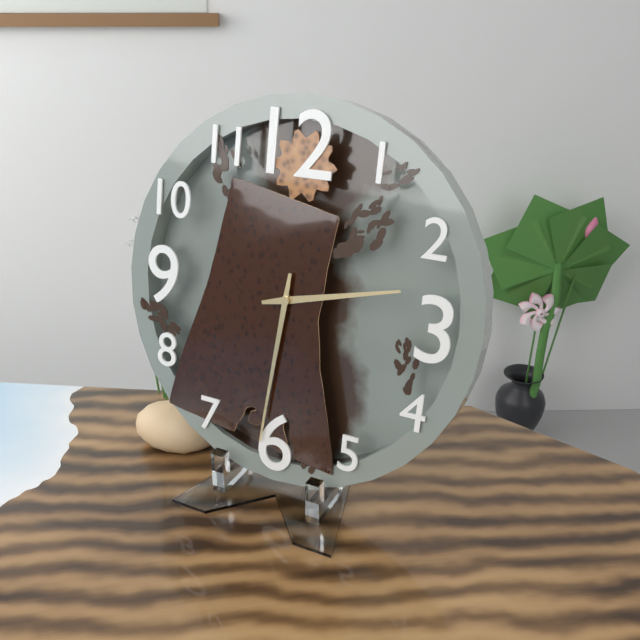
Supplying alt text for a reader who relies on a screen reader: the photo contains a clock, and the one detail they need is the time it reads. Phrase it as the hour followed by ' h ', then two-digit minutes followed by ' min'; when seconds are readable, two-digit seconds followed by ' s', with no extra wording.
2 h 31 min
